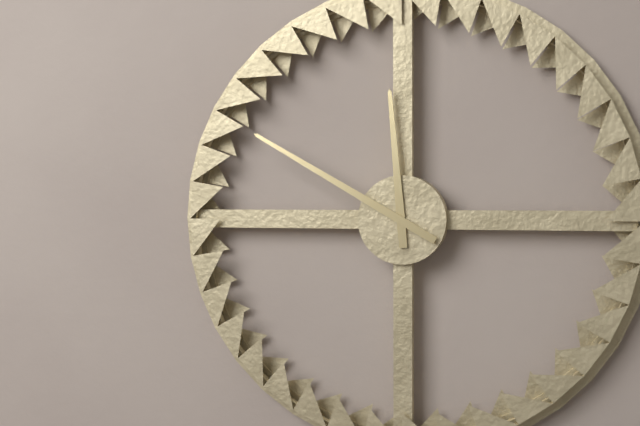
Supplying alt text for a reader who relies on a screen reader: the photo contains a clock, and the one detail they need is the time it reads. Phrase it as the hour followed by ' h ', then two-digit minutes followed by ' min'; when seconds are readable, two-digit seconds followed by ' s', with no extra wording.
11 h 50 min
